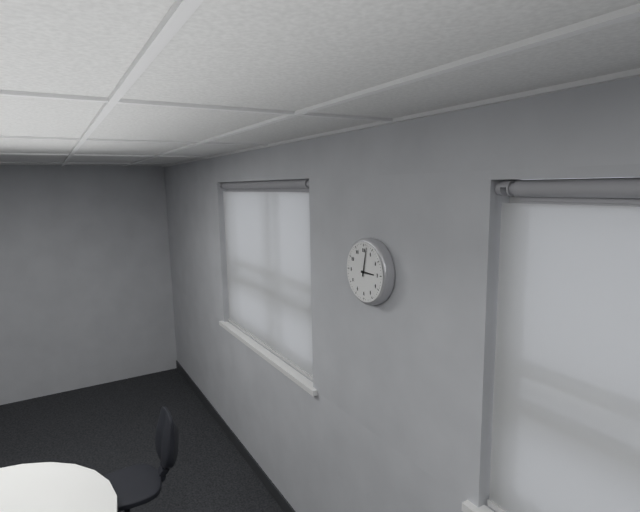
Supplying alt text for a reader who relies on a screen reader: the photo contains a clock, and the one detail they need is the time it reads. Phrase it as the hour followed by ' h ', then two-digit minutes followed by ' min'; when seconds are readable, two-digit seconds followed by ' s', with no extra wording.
3 h 02 min
